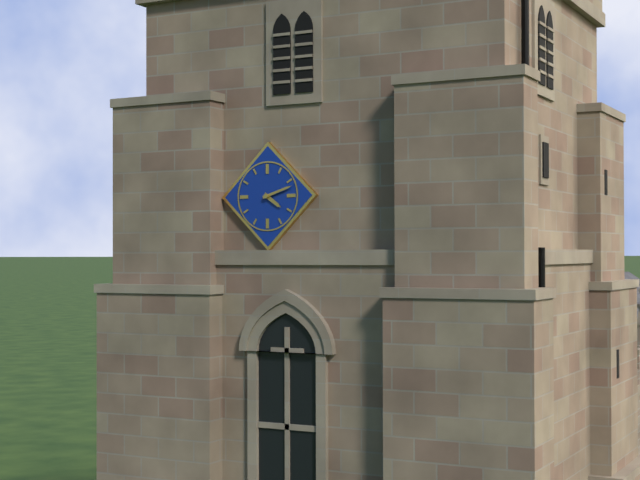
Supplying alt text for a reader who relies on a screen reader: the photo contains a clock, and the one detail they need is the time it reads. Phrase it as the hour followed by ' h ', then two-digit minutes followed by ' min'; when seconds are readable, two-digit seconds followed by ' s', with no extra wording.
4 h 12 min
